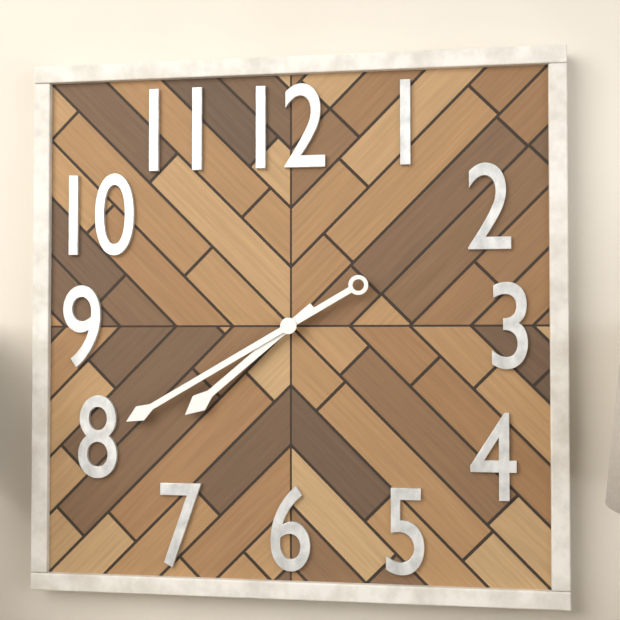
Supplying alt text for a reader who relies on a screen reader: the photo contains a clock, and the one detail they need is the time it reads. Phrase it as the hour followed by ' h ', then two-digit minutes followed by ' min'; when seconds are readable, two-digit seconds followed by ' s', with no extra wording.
7 h 40 min
